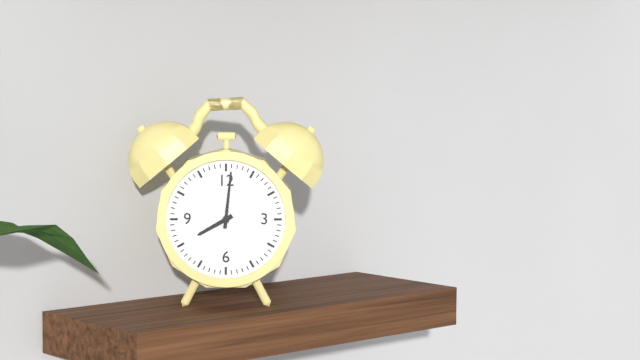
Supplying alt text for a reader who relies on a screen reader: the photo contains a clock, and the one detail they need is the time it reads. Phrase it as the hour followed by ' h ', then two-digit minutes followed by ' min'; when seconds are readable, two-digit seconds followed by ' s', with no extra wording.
8 h 01 min
